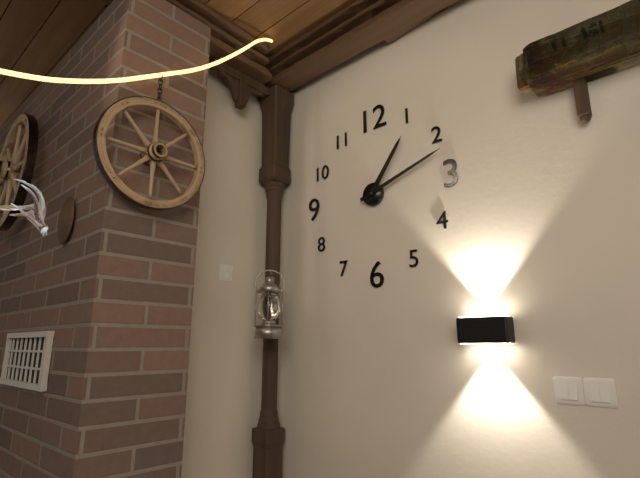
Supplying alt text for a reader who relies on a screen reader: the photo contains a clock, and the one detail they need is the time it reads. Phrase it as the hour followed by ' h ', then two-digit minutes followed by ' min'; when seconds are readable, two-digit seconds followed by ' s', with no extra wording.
1 h 12 min
